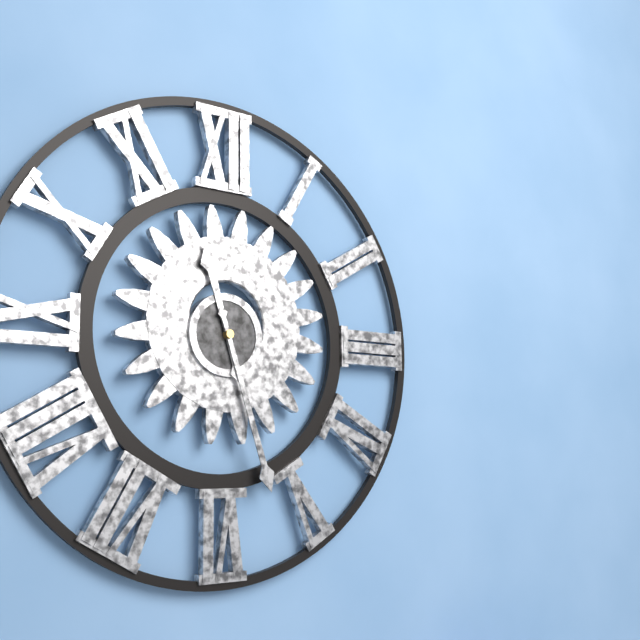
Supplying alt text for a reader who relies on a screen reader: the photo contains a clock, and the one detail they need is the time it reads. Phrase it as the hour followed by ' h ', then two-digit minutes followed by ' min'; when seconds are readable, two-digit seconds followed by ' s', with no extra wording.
11 h 27 min
